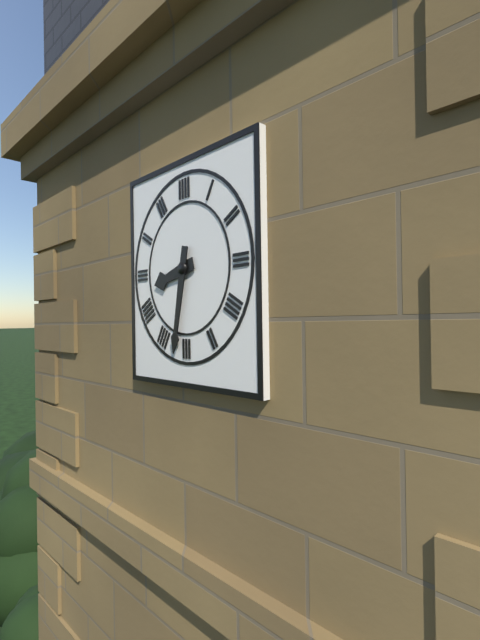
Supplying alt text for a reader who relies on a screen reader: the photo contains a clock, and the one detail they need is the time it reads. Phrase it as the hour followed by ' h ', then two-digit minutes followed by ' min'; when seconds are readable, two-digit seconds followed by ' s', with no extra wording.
8 h 32 min
